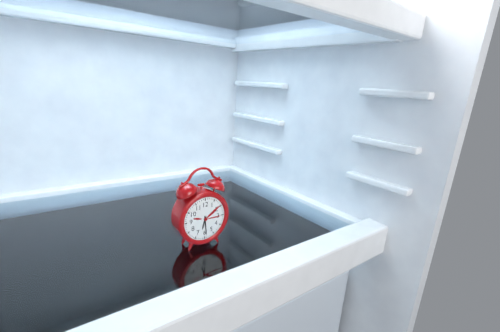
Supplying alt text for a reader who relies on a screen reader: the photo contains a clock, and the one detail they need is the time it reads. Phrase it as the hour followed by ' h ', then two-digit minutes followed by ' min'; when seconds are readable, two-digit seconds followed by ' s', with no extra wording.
6 h 29 min
